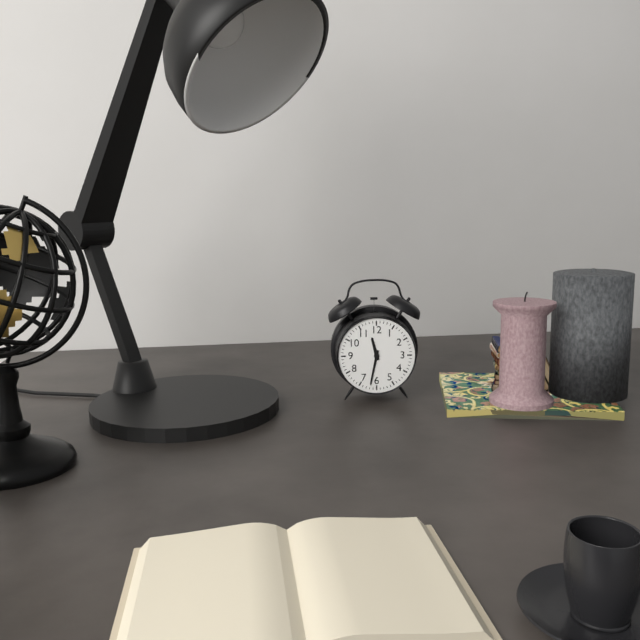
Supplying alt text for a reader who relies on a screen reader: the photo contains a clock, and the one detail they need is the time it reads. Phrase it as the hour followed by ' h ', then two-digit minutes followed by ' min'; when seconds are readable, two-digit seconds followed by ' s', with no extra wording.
11 h 32 min
